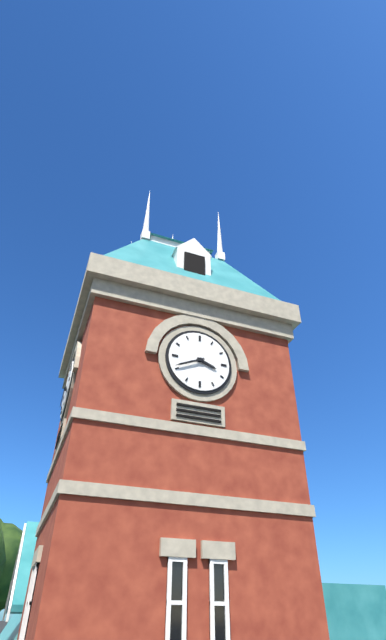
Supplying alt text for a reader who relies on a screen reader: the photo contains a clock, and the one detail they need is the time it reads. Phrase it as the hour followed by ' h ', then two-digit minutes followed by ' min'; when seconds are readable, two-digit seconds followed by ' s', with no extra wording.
3 h 41 min
